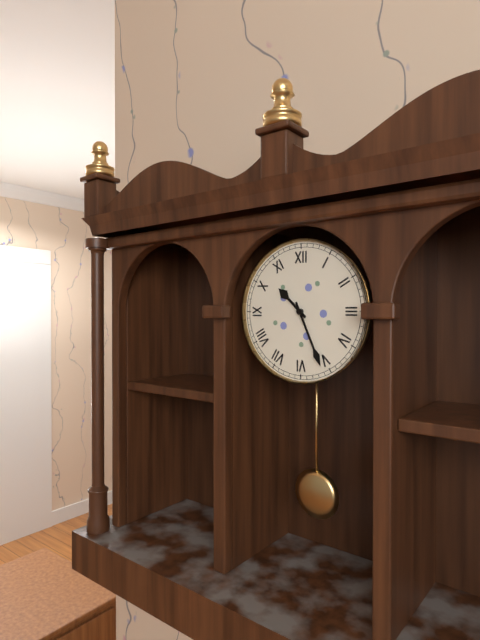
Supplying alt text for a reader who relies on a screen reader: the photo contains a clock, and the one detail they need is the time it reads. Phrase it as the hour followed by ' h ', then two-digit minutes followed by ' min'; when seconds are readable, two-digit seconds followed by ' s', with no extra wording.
10 h 26 min
